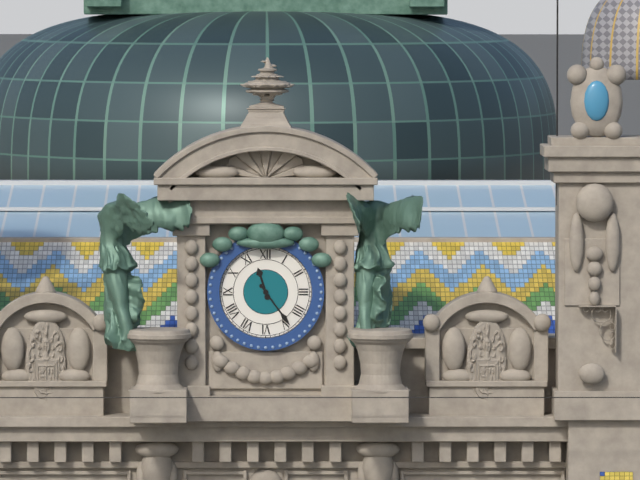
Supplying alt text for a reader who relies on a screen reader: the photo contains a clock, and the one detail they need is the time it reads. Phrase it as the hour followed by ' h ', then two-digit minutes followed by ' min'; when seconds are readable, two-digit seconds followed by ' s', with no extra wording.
11 h 24 min
